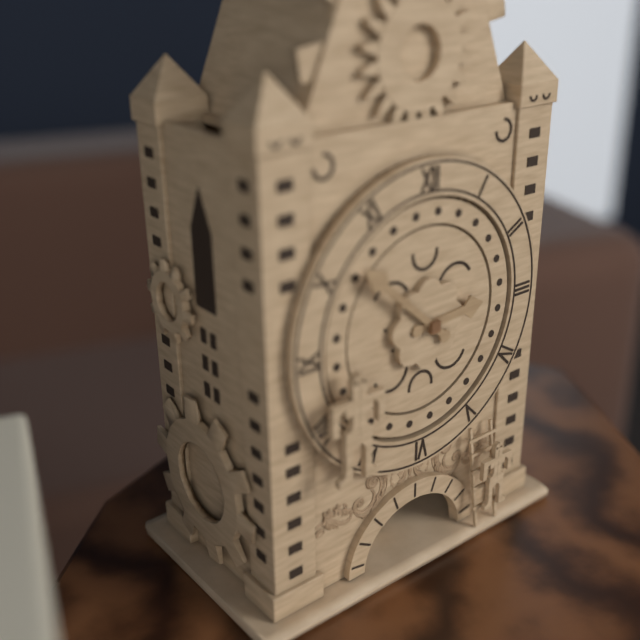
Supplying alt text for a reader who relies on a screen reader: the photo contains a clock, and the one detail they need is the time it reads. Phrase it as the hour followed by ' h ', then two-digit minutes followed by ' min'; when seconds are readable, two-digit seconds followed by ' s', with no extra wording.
2 h 52 min
